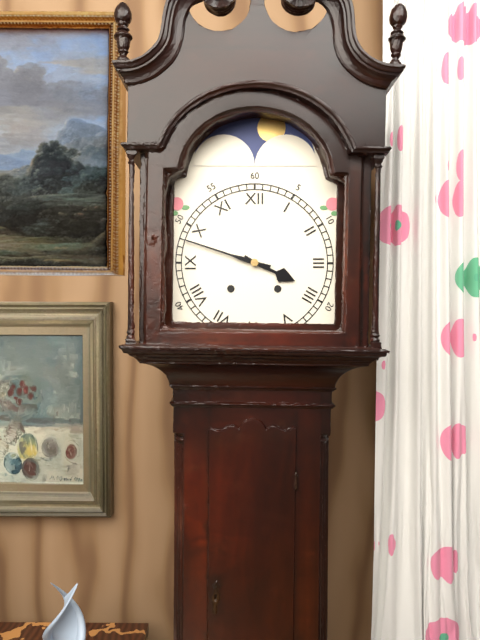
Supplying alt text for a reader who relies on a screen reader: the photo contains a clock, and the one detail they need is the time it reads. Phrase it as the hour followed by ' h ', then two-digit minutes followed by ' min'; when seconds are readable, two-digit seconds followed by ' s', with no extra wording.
3 h 48 min
